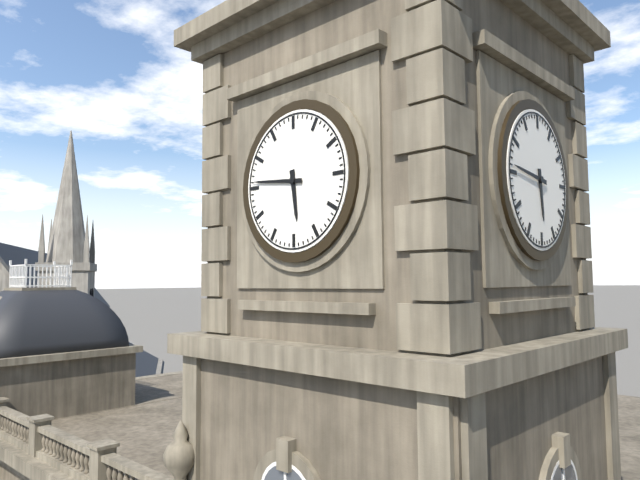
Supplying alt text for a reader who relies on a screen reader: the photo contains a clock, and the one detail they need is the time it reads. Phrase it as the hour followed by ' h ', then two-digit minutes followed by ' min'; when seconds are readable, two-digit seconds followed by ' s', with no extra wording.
5 h 46 min
